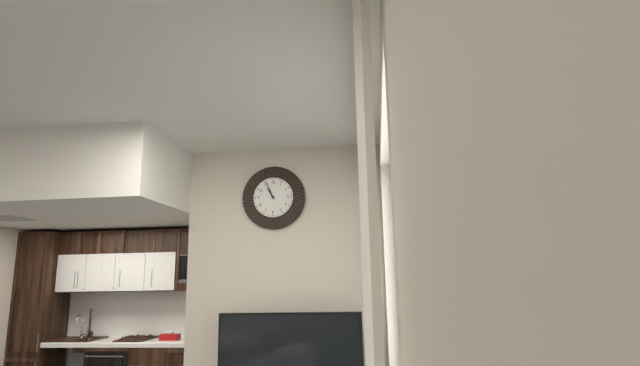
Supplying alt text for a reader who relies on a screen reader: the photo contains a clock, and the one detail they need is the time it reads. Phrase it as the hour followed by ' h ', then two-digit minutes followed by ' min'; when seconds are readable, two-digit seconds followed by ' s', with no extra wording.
10 h 56 min
